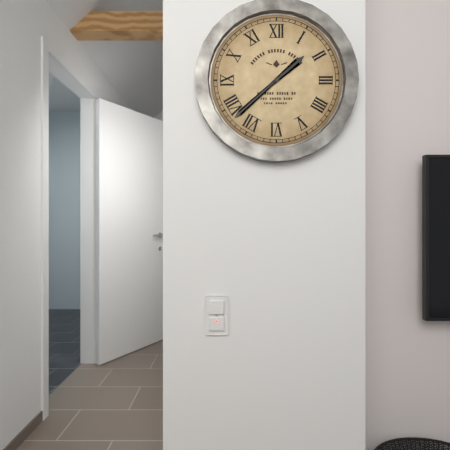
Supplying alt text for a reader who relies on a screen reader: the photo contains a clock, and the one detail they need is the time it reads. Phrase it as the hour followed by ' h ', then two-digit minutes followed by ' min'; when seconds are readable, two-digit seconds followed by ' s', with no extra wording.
1 h 38 min
